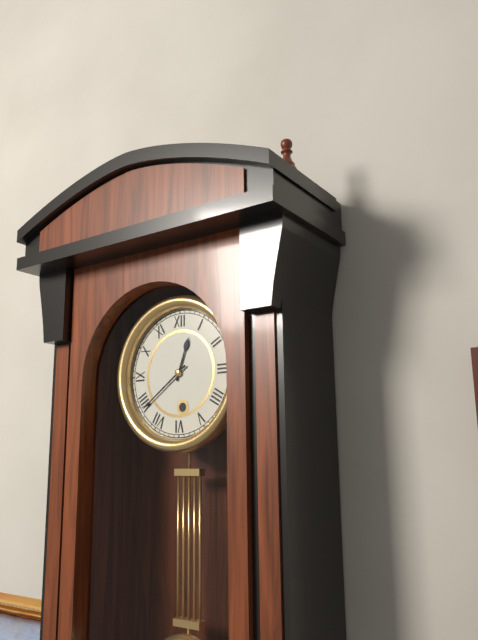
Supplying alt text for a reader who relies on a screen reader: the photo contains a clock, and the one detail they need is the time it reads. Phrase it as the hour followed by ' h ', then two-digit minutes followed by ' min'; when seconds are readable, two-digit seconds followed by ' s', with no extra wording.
12 h 39 min
